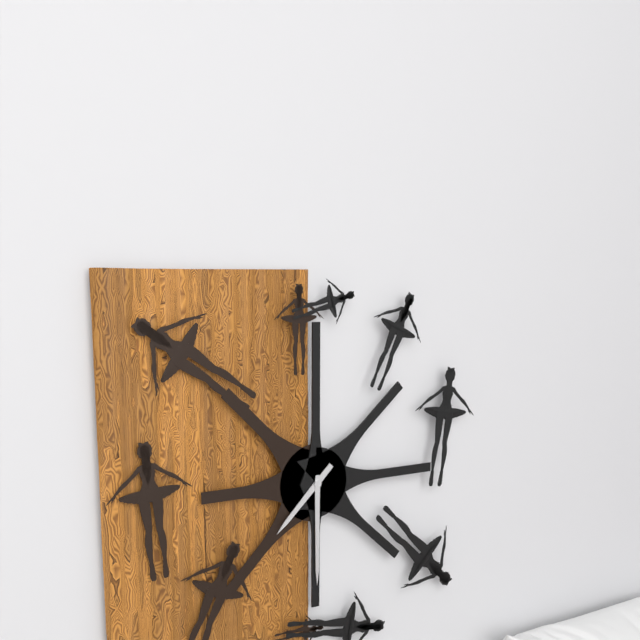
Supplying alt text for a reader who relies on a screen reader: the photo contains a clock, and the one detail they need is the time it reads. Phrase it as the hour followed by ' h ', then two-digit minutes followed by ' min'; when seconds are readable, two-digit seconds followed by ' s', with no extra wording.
7 h 30 min
